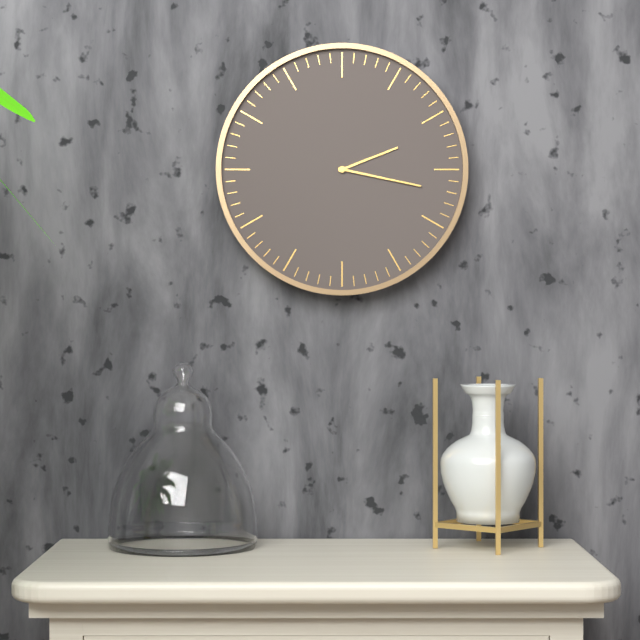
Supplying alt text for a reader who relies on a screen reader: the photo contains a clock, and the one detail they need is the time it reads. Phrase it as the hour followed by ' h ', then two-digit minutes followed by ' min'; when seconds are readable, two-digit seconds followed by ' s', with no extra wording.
2 h 17 min
